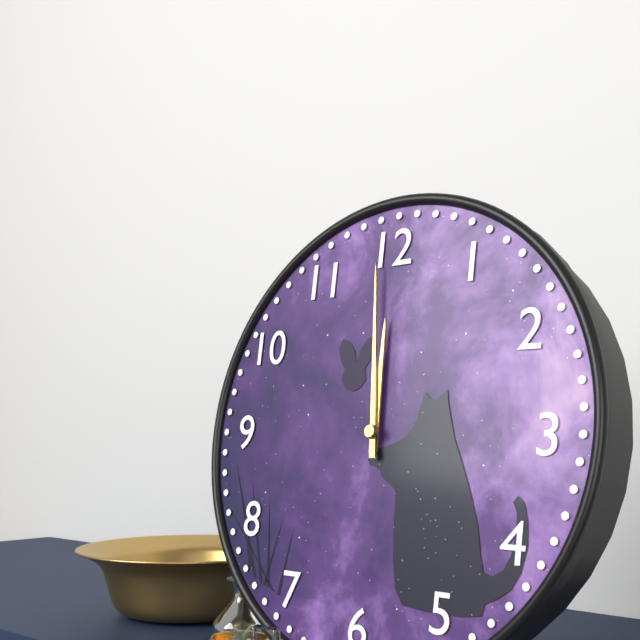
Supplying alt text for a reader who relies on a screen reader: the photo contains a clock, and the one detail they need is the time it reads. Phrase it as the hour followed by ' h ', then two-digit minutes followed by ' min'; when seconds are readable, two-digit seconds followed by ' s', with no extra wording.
11 h 59 min
